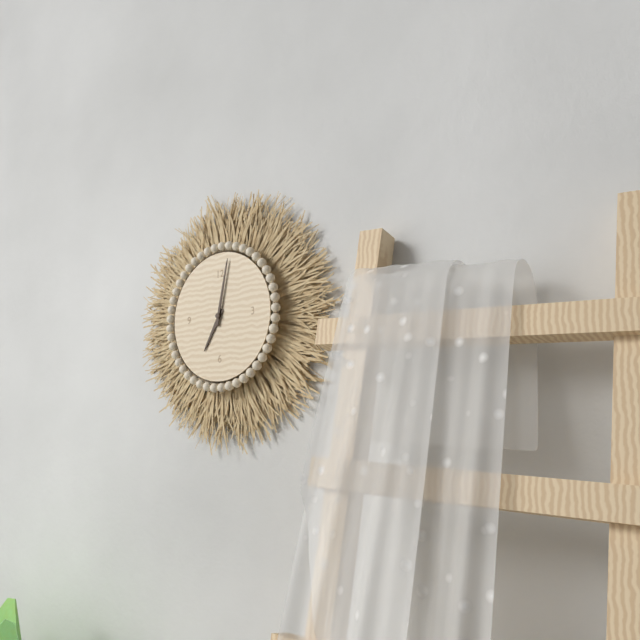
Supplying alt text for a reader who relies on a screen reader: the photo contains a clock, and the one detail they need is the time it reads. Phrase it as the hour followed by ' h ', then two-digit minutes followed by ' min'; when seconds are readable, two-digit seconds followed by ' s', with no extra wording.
7 h 02 min
